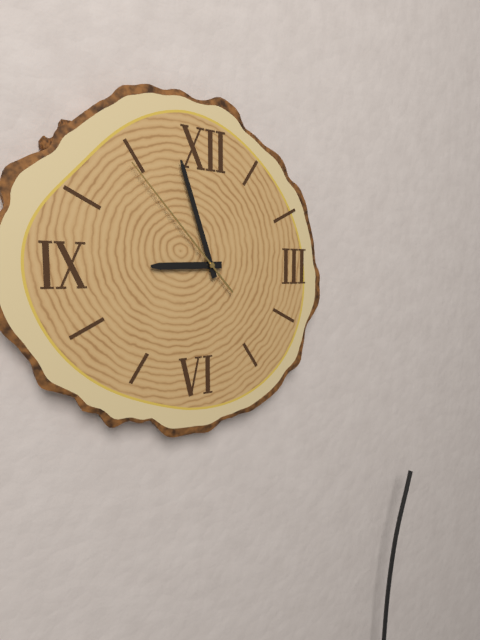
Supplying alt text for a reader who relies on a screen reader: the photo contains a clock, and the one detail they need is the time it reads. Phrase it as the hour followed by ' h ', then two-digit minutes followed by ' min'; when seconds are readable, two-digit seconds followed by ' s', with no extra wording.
8 h 57 min 53 s
